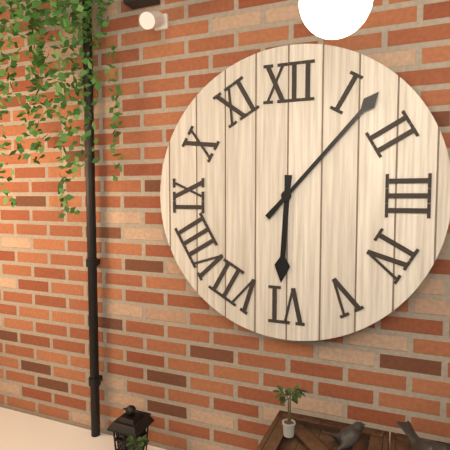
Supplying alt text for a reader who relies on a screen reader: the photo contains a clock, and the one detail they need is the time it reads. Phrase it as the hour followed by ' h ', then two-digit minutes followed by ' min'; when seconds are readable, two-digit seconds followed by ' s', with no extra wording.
6 h 07 min
